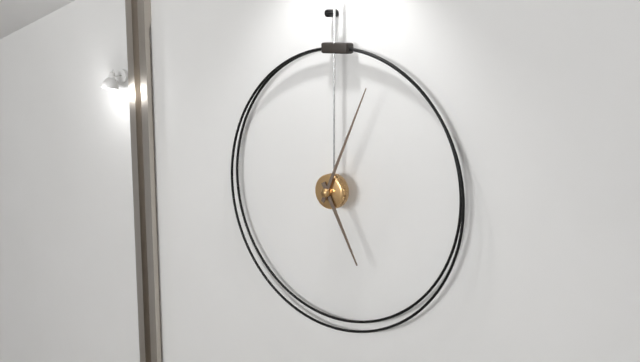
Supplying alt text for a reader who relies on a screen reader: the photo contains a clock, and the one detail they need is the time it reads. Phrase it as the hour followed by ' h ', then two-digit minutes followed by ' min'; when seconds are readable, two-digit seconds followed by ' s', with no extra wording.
5 h 04 min
